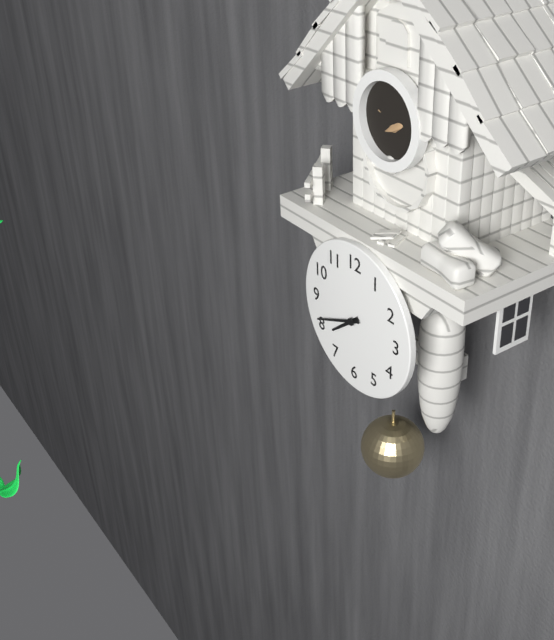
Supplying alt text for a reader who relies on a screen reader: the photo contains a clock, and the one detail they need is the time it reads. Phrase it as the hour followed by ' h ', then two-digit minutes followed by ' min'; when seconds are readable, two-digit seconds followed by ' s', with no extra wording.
7 h 41 min
